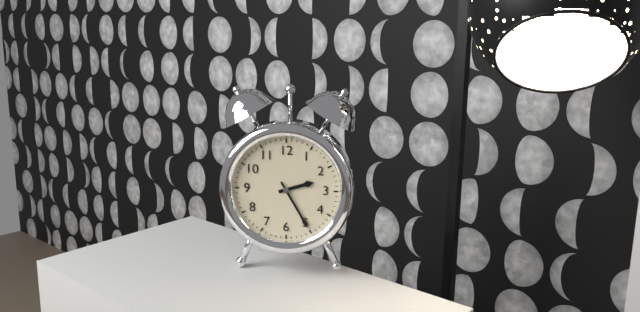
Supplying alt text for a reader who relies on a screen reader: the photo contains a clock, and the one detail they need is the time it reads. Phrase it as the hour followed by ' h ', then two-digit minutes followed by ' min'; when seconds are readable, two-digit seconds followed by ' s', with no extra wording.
2 h 25 min
